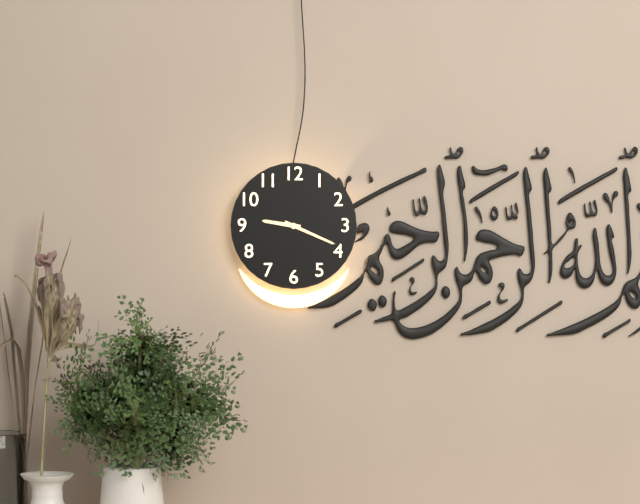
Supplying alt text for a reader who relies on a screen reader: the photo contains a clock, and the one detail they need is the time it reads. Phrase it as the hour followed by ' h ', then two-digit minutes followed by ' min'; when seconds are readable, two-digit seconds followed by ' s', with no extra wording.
9 h 19 min
